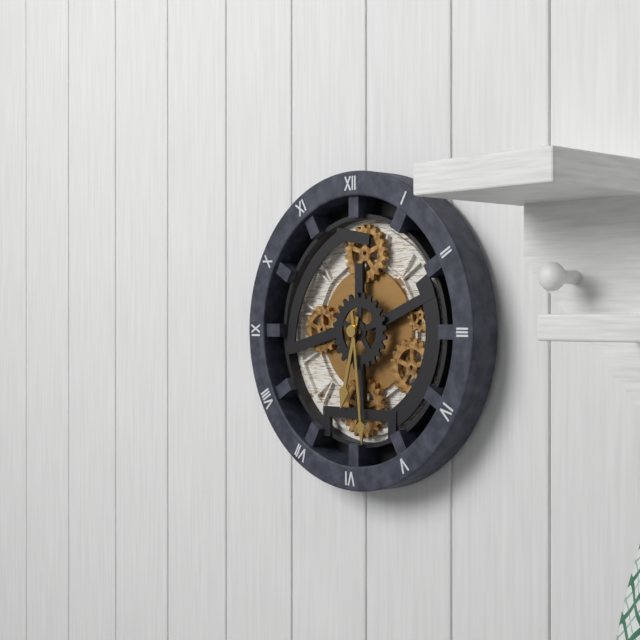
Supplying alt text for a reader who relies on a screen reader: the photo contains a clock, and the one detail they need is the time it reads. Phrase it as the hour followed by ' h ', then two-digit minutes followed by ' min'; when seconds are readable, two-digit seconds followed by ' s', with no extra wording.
6 h 29 min
